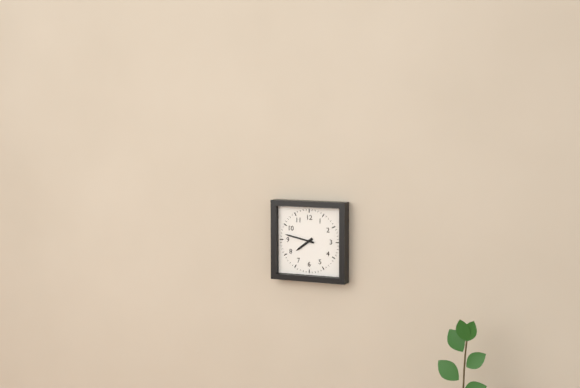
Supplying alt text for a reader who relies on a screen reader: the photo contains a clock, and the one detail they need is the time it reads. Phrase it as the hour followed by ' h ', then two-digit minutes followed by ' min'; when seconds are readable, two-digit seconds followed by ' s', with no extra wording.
7 h 47 min
